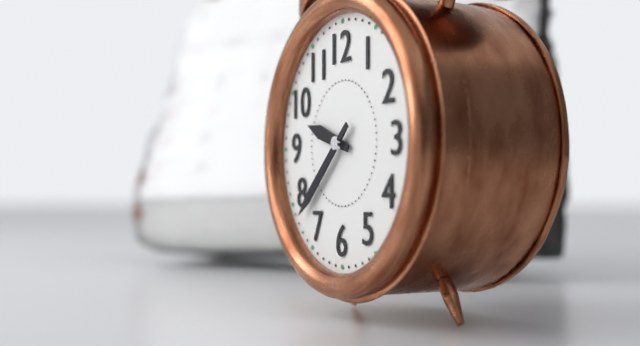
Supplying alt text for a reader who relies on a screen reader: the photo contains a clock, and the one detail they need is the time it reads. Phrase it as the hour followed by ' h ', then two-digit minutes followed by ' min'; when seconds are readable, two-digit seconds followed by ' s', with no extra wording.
9 h 38 min
